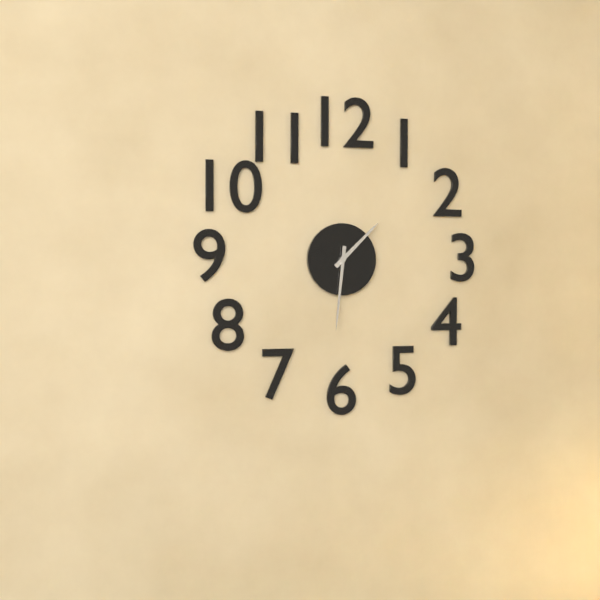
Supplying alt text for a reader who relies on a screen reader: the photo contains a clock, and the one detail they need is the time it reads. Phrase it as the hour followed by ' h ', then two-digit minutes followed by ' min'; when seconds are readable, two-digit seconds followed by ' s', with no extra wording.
1 h 31 min
